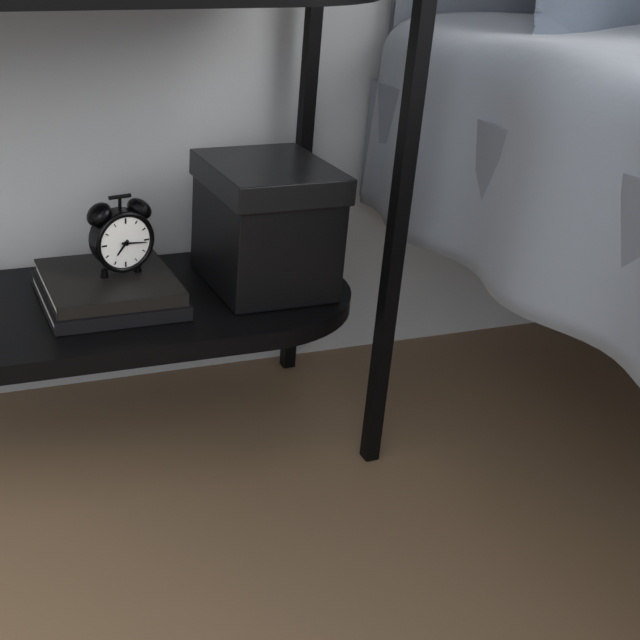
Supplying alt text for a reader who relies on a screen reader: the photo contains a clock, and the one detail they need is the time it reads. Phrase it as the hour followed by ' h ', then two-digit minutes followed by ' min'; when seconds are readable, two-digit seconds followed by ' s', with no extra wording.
7 h 16 min
